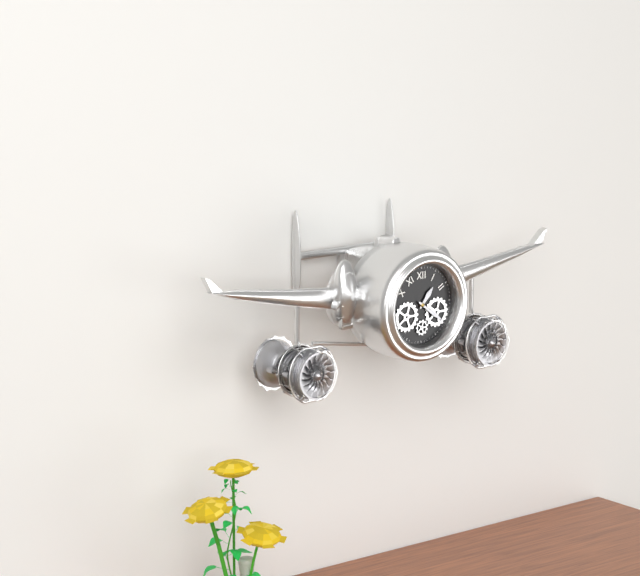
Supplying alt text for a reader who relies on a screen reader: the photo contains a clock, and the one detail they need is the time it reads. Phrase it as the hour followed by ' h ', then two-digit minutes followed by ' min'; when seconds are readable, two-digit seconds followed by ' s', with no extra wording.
1 h 21 min
